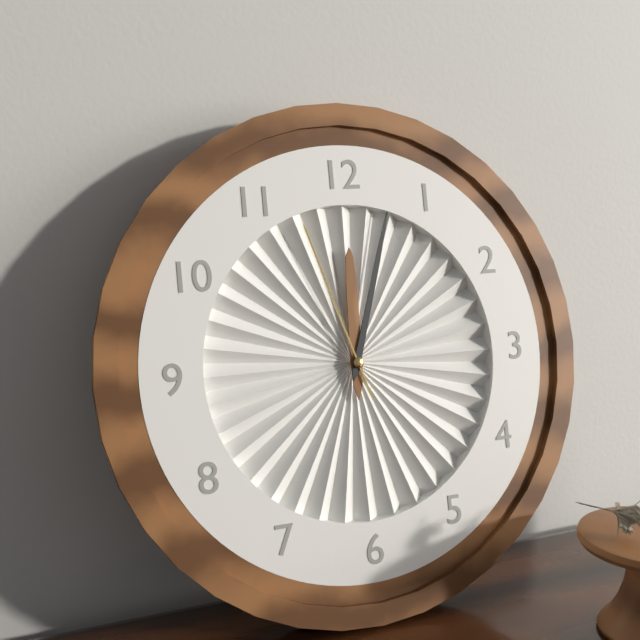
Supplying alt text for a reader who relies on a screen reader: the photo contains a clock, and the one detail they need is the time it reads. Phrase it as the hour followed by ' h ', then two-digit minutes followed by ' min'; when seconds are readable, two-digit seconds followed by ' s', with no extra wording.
12 h 03 min 57 s
